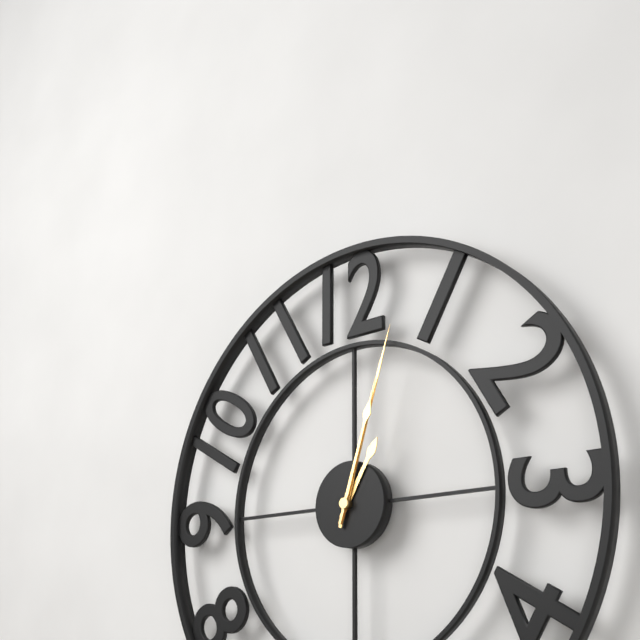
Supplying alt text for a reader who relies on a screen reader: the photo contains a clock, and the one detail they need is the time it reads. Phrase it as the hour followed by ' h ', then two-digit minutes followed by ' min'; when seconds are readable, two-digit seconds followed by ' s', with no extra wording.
1 h 03 min 03 s
